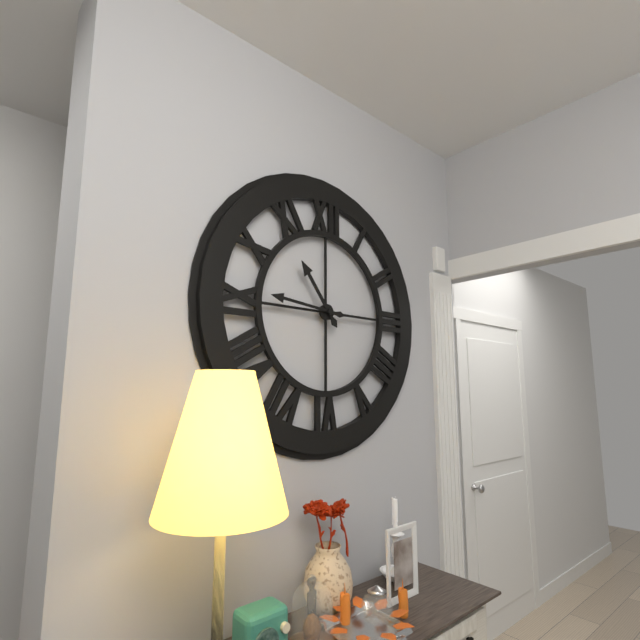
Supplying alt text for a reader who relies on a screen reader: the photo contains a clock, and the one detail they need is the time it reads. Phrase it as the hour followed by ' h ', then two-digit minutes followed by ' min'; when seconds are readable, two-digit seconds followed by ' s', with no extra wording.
10 h 46 min
